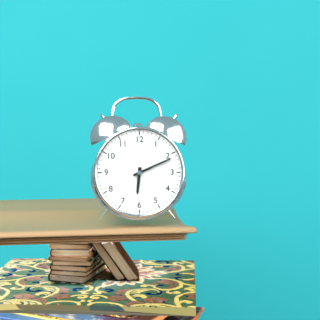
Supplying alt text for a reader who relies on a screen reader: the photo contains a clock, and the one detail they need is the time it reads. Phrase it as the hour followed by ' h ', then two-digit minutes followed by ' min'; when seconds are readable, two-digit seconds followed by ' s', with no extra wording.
6 h 11 min
